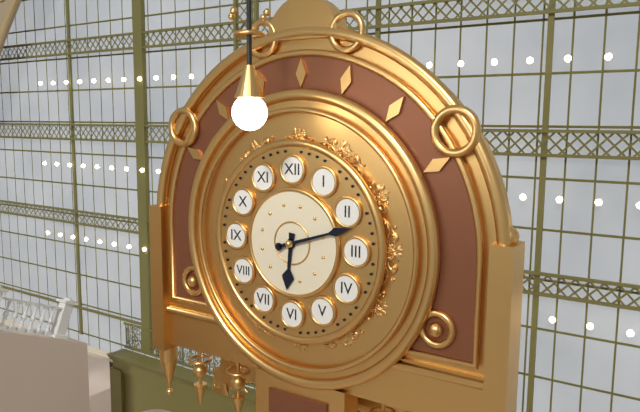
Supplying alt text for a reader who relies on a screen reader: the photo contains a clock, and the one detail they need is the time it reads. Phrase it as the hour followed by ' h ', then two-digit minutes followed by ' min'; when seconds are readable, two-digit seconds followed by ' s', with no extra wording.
6 h 12 min
